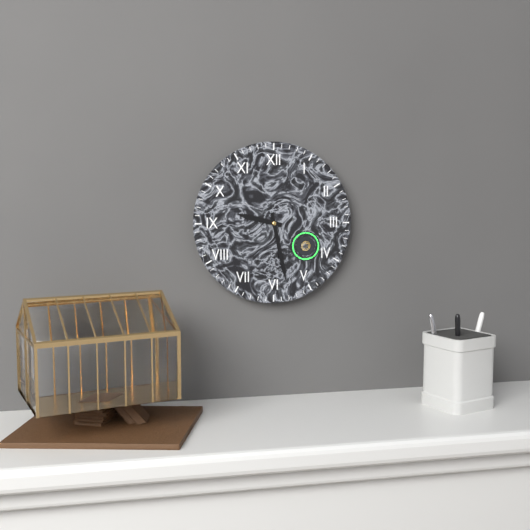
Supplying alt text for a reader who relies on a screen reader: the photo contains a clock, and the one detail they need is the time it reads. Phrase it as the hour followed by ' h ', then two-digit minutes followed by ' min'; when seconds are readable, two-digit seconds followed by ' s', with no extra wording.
9 h 28 min
